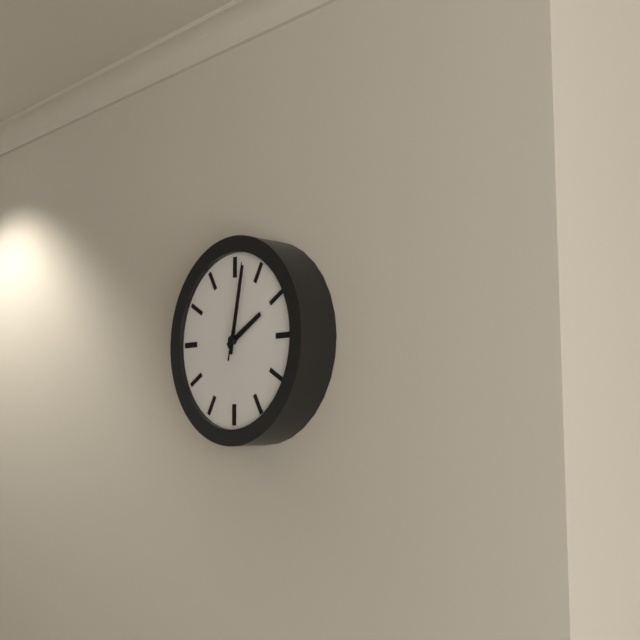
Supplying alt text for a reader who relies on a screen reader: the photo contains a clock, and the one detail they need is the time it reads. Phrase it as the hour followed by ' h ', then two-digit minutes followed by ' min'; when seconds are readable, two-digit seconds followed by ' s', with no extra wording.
2 h 02 min 02 s
